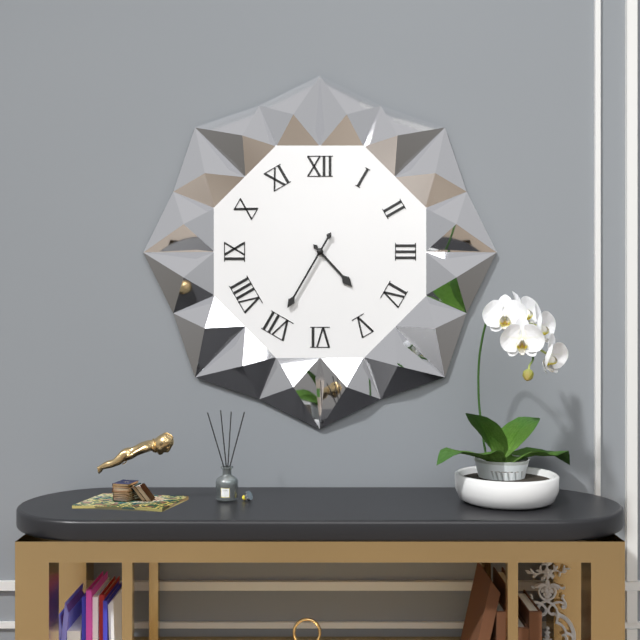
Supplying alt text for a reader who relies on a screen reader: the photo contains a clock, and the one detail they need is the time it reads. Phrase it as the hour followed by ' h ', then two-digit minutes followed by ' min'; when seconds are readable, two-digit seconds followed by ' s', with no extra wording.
4 h 35 min
